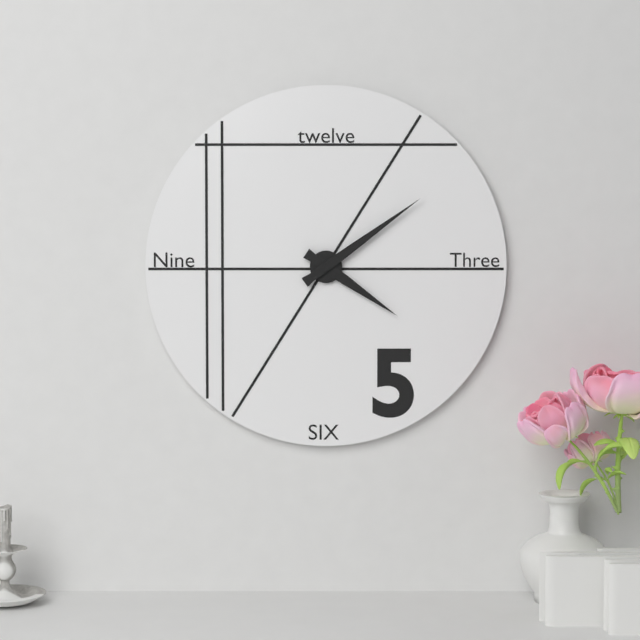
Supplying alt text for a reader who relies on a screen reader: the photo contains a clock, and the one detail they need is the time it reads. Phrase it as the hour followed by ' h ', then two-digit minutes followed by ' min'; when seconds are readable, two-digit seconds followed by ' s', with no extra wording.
4 h 09 min
